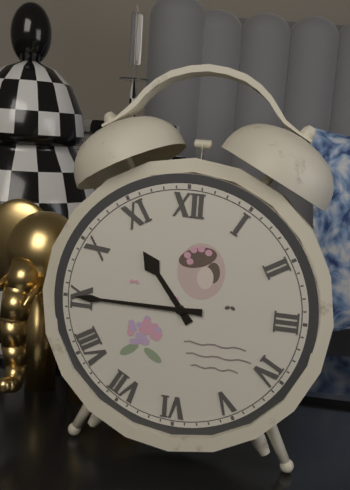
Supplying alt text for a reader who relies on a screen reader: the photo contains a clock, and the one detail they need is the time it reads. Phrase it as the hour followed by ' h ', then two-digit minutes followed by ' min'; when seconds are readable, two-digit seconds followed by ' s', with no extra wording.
10 h 45 min
